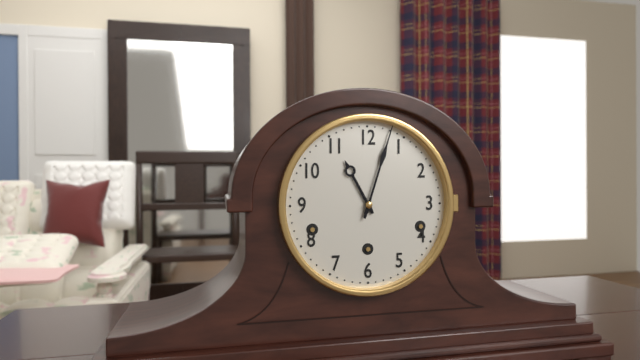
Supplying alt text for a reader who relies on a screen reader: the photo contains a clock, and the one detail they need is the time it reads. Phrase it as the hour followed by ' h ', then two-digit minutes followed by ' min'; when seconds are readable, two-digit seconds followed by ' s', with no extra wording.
11 h 03 min
